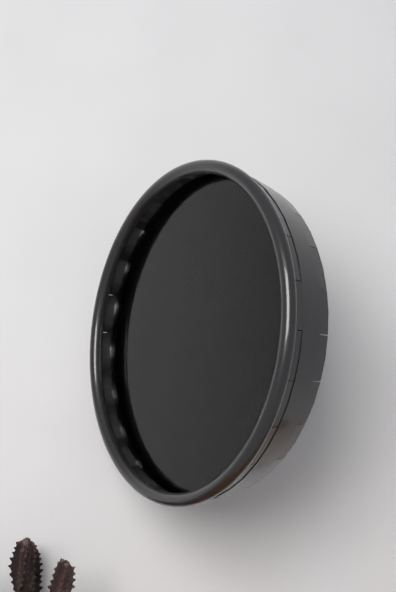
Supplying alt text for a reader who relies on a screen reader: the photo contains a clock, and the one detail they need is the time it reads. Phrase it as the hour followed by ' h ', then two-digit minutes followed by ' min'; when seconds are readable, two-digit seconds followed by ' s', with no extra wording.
10 h 05 min
